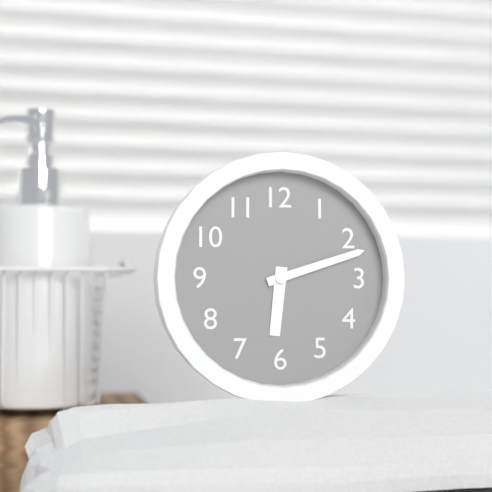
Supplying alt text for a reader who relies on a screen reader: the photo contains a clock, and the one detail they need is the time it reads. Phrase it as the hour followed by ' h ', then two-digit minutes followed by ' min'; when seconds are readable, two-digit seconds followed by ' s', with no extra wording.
6 h 12 min
